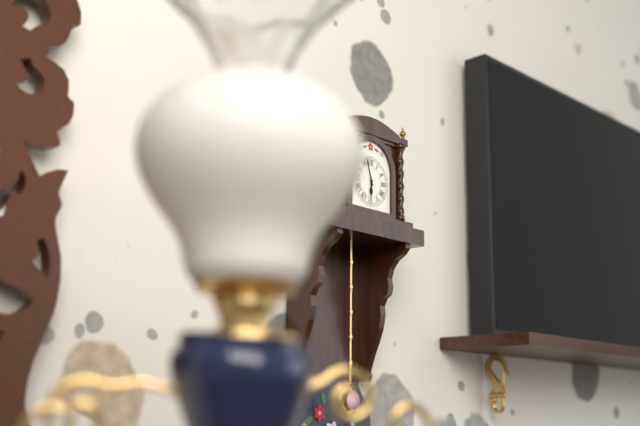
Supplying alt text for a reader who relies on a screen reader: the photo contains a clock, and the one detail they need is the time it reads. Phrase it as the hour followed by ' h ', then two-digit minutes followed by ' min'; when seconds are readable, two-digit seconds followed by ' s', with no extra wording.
5 h 57 min
